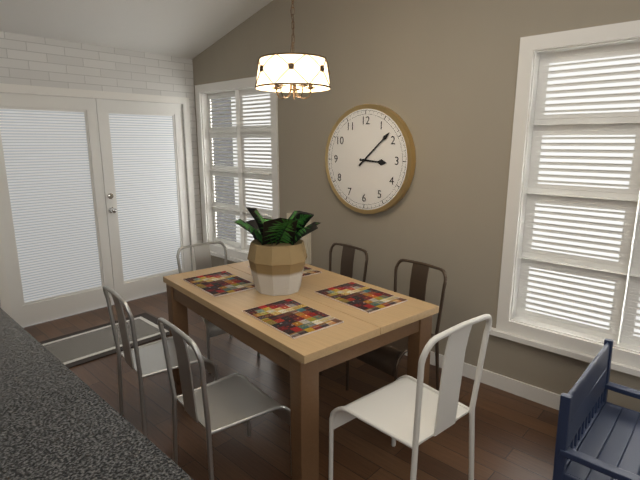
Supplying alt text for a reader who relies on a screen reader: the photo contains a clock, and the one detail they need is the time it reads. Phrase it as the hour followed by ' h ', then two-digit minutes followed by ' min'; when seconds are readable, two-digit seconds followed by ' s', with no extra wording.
3 h 08 min
